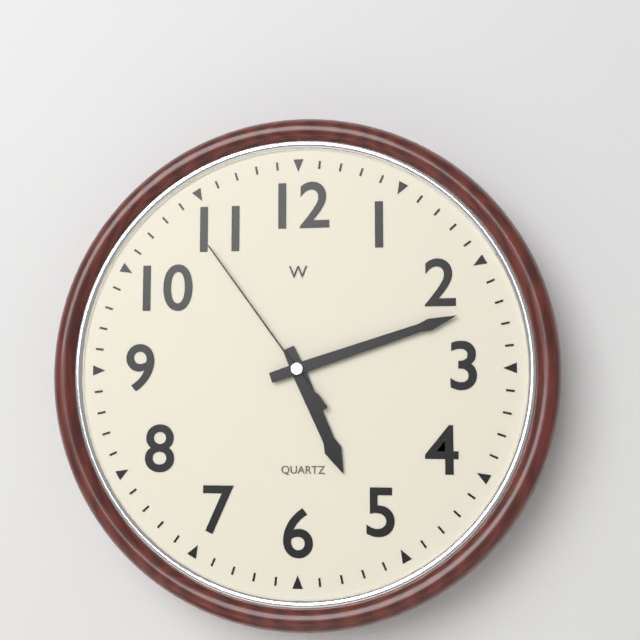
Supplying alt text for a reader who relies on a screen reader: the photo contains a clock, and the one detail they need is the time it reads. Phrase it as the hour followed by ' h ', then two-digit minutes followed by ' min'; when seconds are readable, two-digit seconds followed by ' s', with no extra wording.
5 h 12 min 54 s
